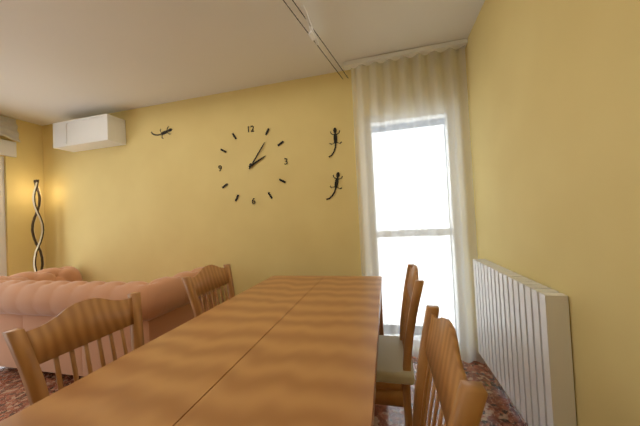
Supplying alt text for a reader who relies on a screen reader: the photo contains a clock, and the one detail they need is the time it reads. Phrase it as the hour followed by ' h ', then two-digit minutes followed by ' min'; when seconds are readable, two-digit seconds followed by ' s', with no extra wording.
2 h 06 min
